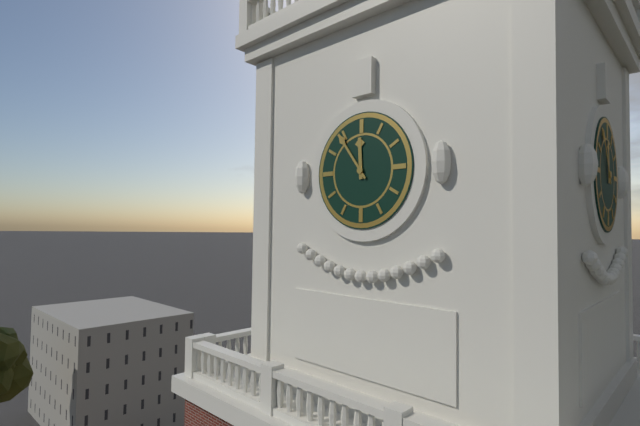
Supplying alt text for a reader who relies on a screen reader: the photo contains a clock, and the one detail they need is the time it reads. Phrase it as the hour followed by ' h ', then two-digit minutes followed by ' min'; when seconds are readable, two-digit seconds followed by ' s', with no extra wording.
11 h 54 min
